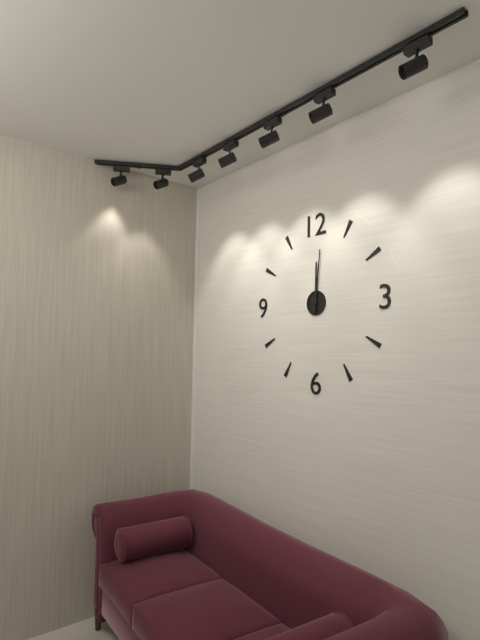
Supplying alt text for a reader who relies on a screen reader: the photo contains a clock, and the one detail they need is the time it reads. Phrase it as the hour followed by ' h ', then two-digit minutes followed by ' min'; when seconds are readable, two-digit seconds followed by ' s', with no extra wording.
12 h 01 min
